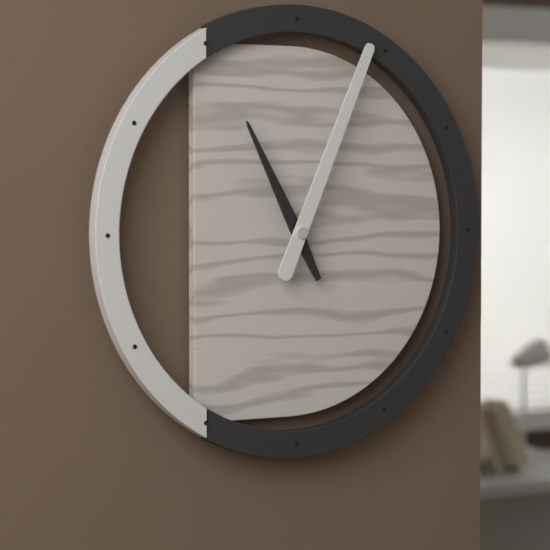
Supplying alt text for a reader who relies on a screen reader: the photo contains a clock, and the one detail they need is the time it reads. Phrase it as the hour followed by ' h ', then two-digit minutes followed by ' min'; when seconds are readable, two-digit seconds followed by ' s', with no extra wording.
11 h 04 min
